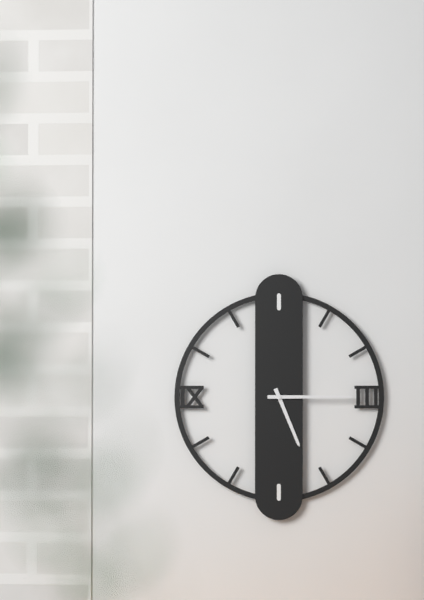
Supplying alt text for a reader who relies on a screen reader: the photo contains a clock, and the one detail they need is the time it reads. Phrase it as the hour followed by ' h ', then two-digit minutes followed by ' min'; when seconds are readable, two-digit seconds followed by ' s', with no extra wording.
5 h 15 min
